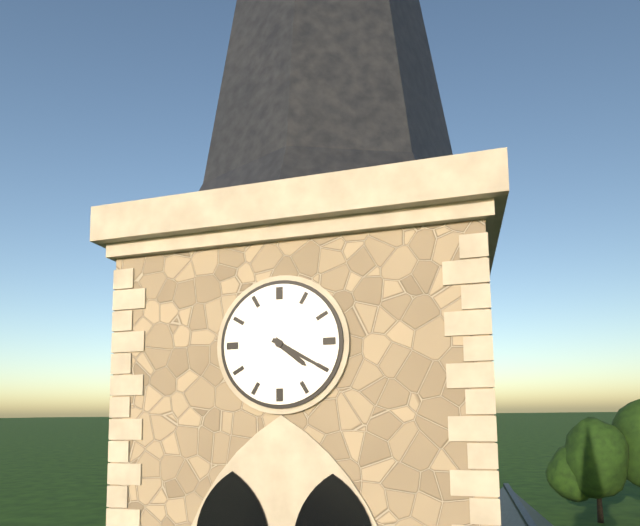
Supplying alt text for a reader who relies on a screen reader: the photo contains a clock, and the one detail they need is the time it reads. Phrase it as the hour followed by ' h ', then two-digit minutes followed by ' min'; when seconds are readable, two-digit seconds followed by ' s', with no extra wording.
4 h 20 min
